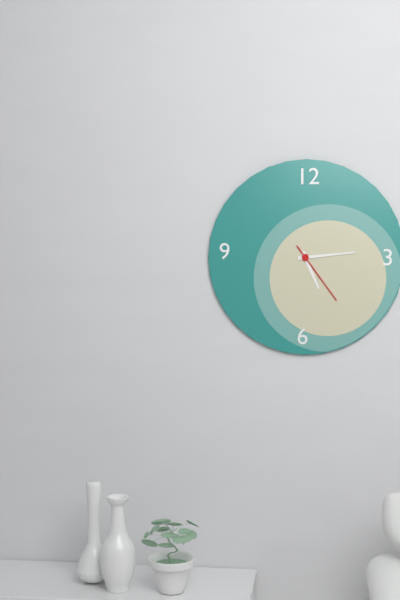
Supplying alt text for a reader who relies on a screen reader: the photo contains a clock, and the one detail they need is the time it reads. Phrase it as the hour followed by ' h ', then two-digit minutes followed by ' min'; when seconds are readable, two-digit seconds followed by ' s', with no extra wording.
5 h 14 min 24 s
